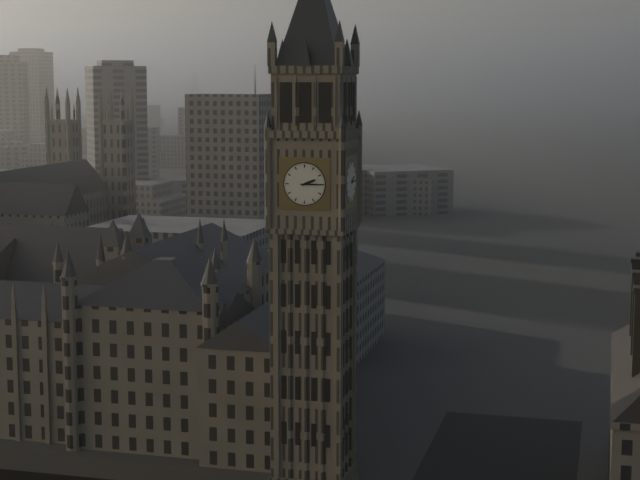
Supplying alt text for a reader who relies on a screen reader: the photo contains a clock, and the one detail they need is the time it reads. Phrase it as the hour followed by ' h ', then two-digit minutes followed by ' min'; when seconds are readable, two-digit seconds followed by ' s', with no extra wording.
2 h 15 min
